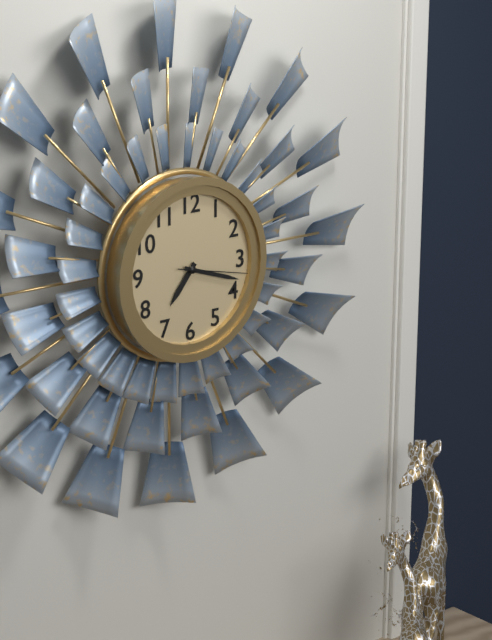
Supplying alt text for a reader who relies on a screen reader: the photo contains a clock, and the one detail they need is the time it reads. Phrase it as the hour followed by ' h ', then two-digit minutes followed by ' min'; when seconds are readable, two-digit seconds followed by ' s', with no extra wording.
7 h 18 min 17 s
